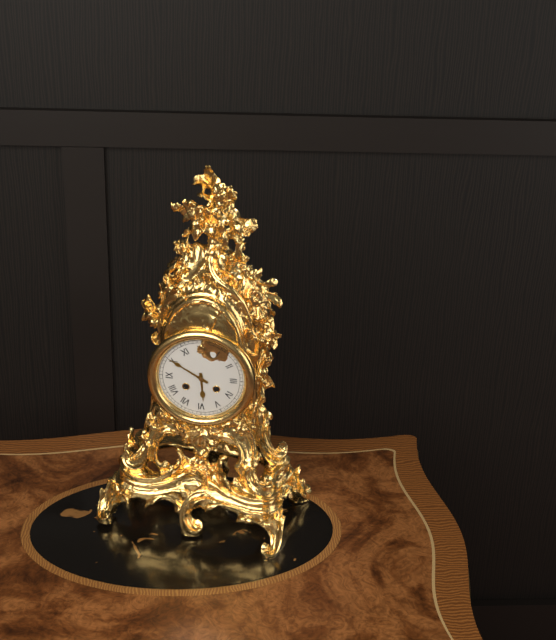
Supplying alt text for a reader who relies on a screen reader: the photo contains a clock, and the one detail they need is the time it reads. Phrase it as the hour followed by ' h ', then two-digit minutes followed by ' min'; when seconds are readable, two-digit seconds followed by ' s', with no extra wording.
5 h 50 min
